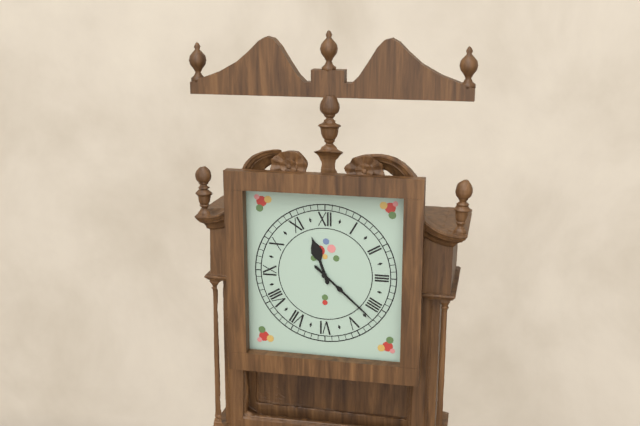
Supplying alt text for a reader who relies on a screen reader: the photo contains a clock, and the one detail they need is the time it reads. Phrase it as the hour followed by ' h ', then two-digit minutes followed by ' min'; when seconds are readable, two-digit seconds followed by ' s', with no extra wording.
11 h 22 min
